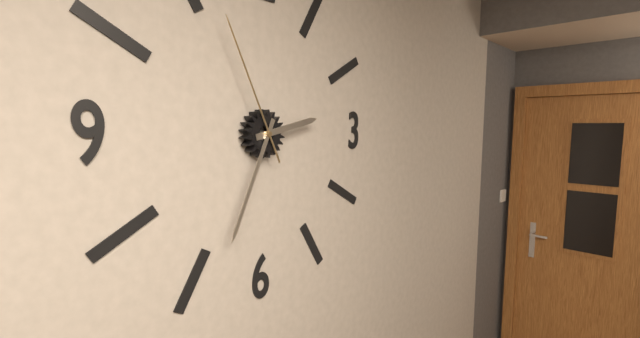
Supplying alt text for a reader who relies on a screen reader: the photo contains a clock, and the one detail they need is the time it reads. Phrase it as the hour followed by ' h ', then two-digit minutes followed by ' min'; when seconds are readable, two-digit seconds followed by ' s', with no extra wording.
2 h 34 min 56 s
